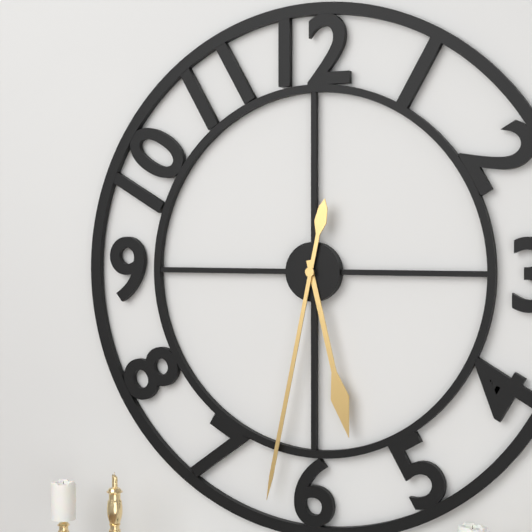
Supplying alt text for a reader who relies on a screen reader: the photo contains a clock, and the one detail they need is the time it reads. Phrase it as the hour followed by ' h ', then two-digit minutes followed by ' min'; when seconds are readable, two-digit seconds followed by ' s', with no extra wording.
5 h 32 min
